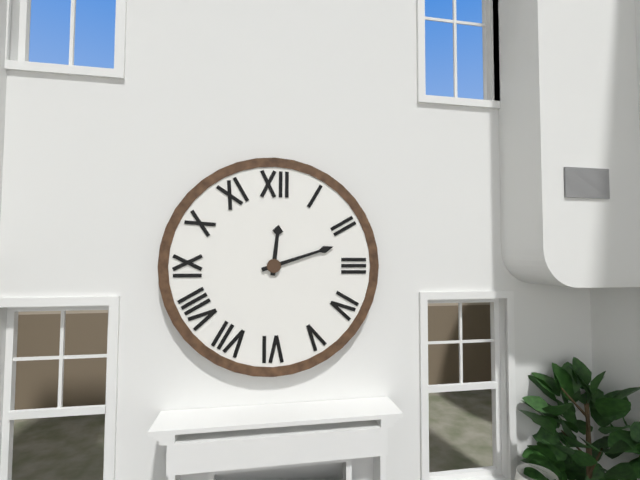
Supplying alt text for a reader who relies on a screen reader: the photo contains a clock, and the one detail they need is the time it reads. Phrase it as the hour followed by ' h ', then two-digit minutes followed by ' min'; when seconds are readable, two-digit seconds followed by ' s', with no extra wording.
12 h 12 min
